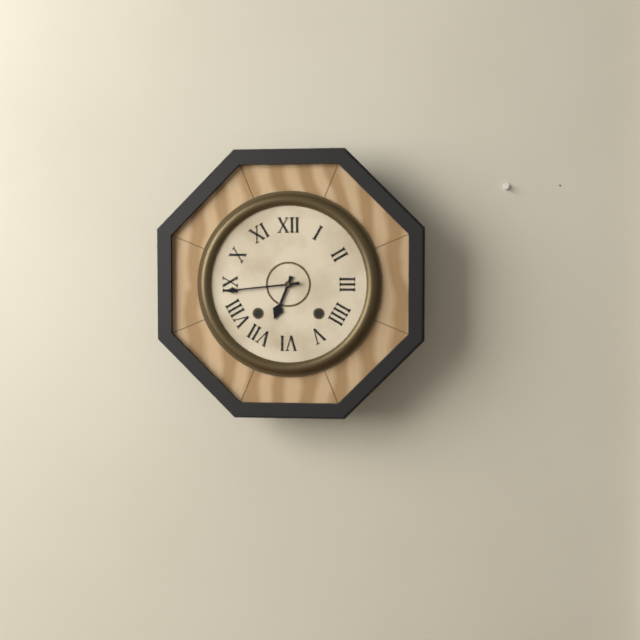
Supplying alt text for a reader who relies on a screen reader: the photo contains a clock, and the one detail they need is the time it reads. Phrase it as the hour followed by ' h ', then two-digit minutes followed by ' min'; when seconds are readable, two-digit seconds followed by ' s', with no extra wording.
6 h 44 min
